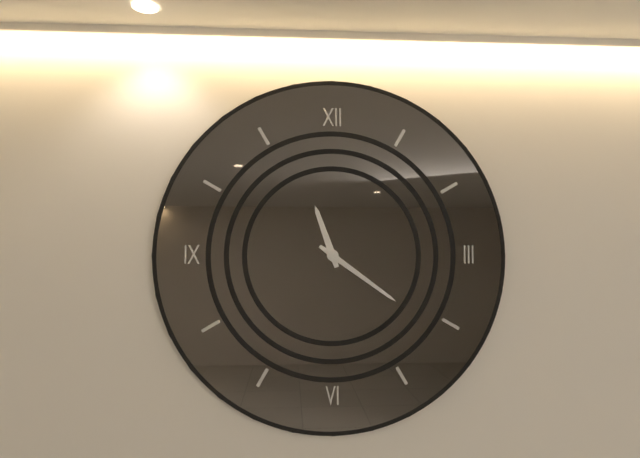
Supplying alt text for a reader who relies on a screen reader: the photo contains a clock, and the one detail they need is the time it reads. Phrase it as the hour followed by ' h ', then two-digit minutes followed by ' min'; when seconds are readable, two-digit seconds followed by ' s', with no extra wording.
11 h 21 min
